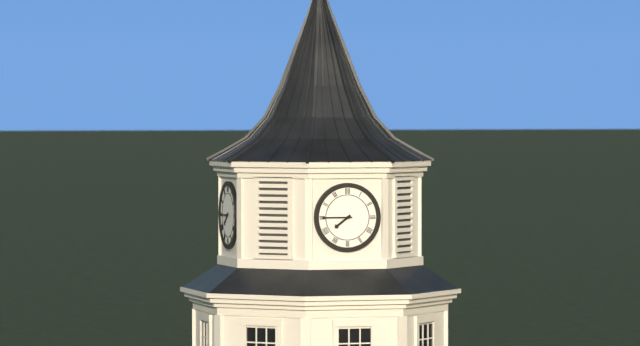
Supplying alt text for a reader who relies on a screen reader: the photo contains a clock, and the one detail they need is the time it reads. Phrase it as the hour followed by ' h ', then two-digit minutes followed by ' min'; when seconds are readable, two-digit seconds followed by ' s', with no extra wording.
7 h 45 min
